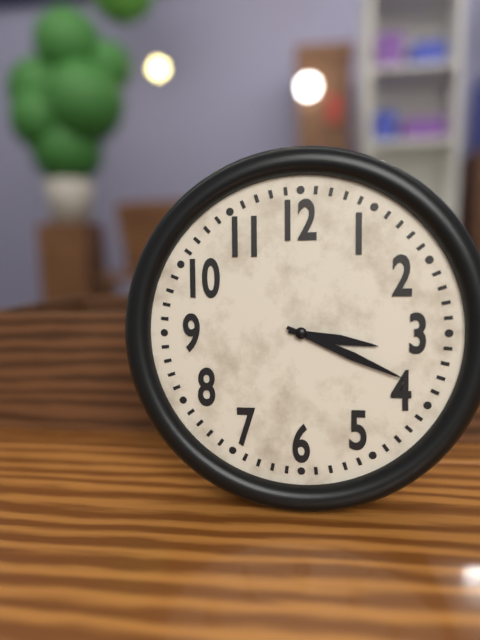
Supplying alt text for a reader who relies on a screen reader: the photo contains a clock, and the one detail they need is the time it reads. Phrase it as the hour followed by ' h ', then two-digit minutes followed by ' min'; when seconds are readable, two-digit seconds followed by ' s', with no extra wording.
3 h 19 min
